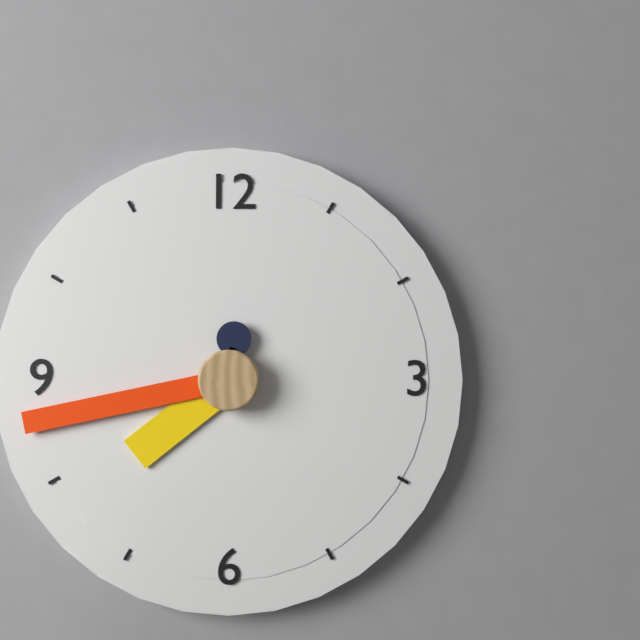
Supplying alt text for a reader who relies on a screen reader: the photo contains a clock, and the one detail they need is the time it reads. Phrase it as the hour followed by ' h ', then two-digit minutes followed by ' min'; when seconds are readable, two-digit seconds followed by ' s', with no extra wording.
7 h 43 min 01 s
